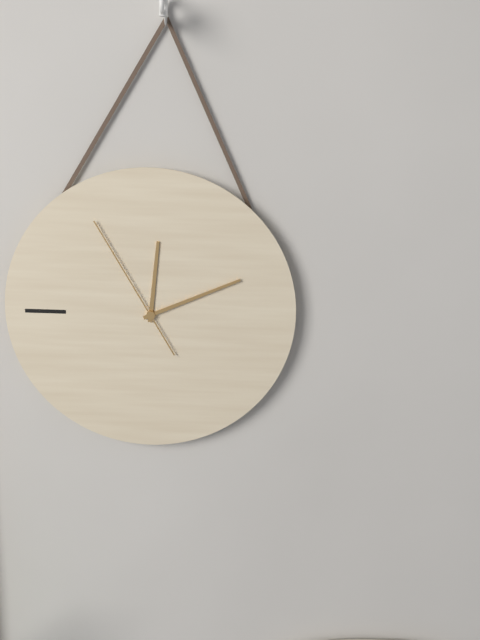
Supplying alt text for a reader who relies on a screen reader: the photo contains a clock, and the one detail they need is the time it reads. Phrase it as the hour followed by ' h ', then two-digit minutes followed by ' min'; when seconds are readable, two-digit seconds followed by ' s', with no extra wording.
12 h 11 min 55 s
